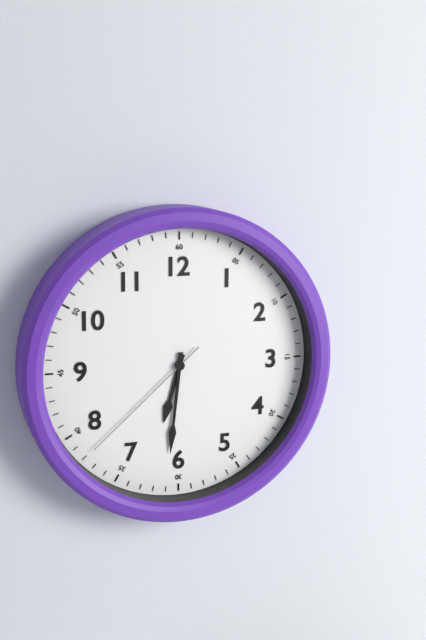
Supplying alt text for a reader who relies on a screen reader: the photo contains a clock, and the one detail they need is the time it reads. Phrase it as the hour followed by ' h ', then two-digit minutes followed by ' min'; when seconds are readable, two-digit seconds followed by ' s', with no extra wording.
6 h 31 min 38 s
